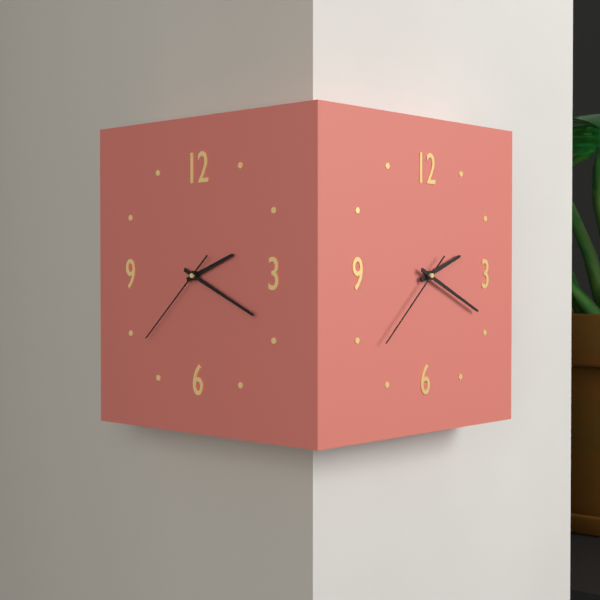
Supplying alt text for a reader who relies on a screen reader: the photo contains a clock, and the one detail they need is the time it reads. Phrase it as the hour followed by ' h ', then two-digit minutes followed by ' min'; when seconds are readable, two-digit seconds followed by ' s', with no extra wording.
2 h 19 min 38 s
